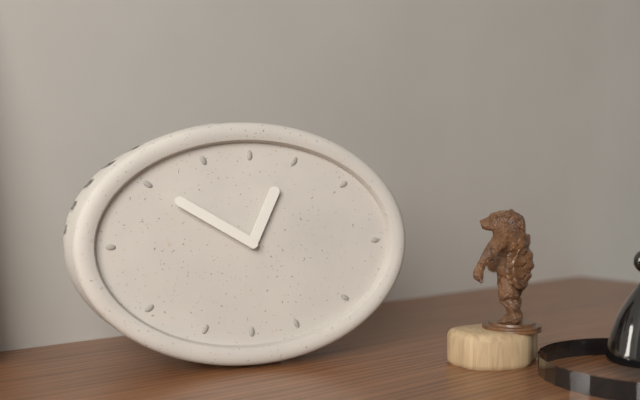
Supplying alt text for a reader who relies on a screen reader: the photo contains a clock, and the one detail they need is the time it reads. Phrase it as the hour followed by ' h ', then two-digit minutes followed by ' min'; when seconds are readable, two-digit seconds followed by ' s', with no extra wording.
12 h 50 min
